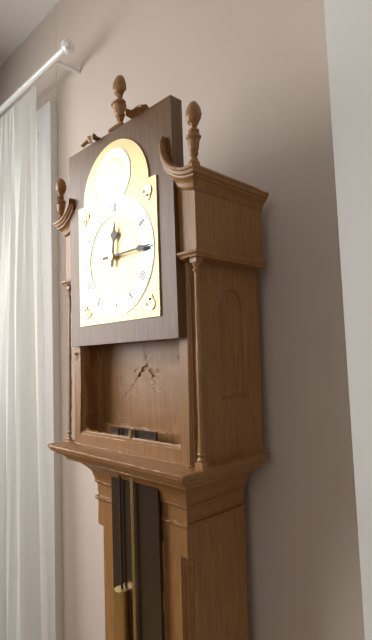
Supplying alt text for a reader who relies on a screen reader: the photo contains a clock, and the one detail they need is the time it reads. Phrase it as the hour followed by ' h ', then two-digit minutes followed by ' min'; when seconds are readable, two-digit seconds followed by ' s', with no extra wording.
12 h 15 min
